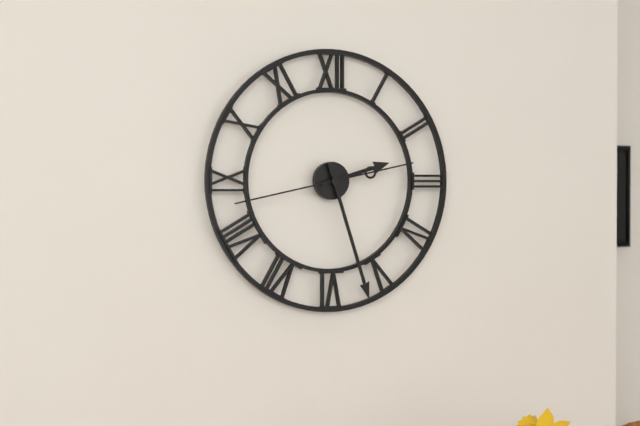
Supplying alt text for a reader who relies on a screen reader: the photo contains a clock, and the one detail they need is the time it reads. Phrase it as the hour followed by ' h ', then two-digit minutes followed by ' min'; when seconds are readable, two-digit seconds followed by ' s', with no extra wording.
2 h 27 min 43 s
